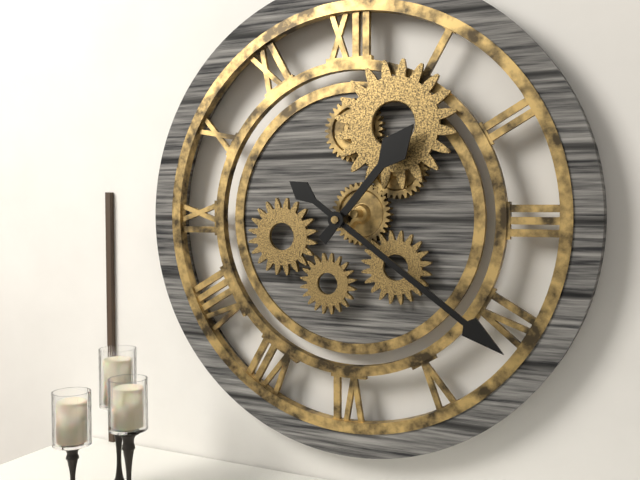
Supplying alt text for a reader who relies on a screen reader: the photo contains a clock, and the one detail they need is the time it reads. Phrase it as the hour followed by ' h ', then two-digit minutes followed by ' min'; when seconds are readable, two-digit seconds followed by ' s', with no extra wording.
1 h 21 min
